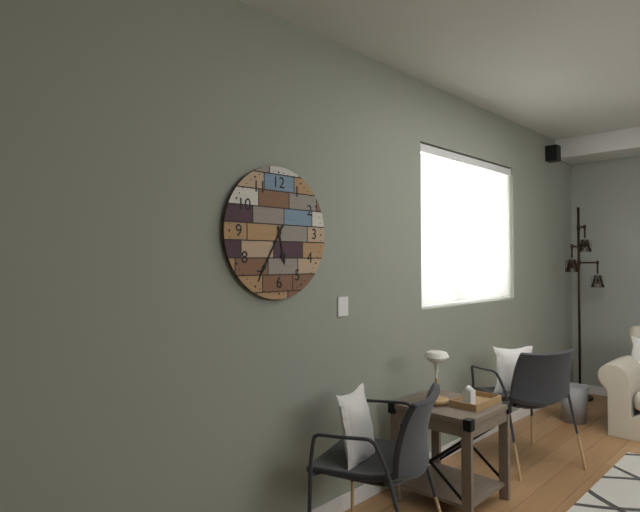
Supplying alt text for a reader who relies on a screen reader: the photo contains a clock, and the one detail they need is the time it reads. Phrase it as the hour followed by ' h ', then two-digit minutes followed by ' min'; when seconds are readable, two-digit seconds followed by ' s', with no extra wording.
5 h 35 min
